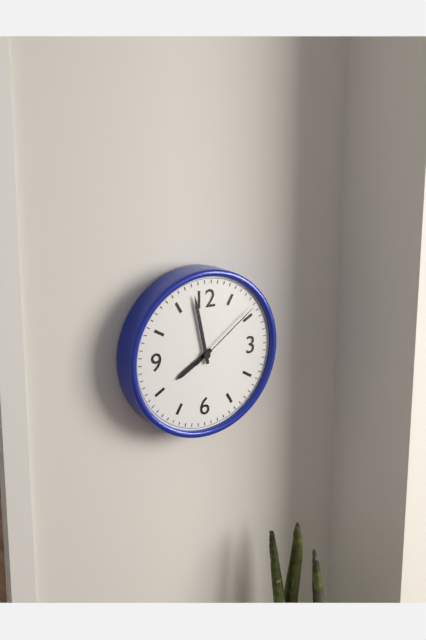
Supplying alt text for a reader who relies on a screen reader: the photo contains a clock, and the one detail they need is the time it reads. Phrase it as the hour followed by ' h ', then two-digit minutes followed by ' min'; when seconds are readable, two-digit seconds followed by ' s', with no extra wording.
7 h 58 min 09 s
